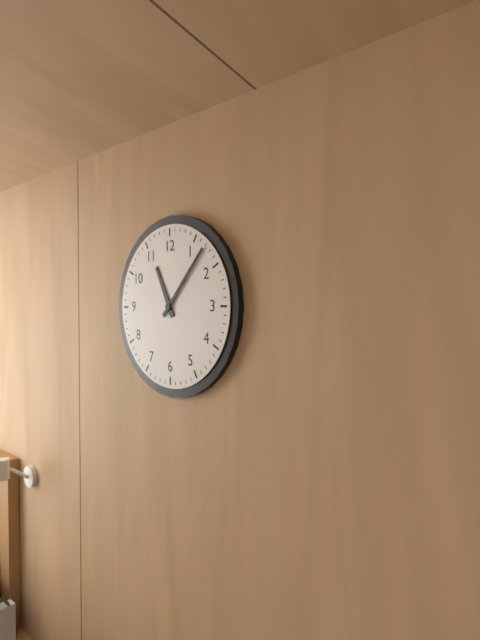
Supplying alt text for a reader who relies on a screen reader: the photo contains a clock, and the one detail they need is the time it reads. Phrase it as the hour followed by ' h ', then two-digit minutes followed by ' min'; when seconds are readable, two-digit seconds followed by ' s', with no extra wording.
11 h 07 min
